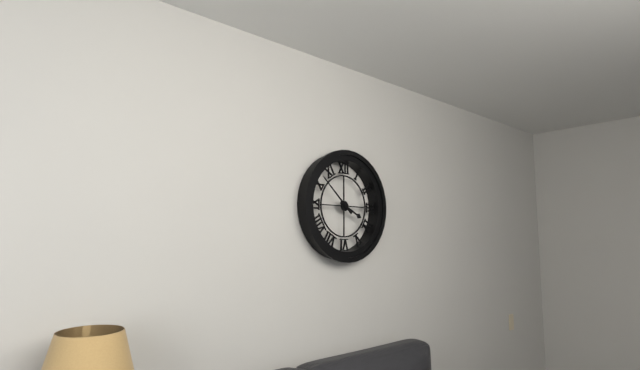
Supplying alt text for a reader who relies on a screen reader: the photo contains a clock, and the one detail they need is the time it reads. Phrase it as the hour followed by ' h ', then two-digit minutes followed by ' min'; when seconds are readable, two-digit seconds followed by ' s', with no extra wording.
3 h 52 min
